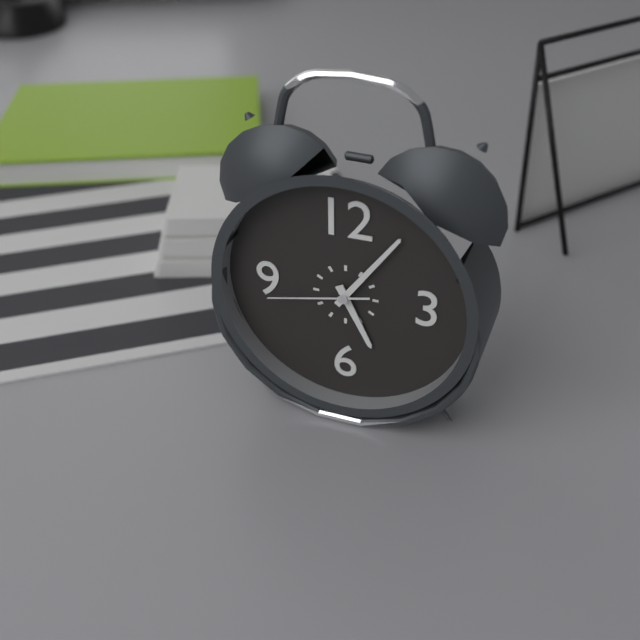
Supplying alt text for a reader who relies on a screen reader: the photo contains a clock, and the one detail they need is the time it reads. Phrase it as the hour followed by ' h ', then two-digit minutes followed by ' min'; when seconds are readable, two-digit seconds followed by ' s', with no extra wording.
5 h 06 min 43 s
